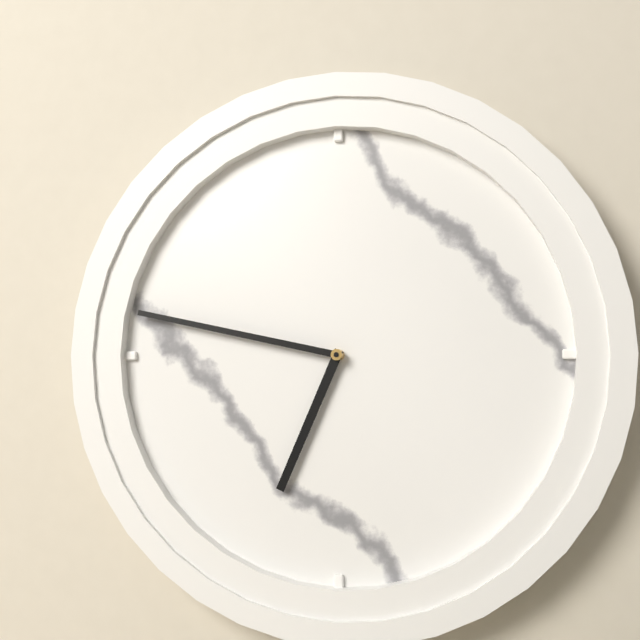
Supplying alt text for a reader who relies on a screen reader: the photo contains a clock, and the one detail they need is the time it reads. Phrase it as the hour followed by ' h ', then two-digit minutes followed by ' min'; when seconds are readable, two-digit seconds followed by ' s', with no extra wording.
6 h 47 min
